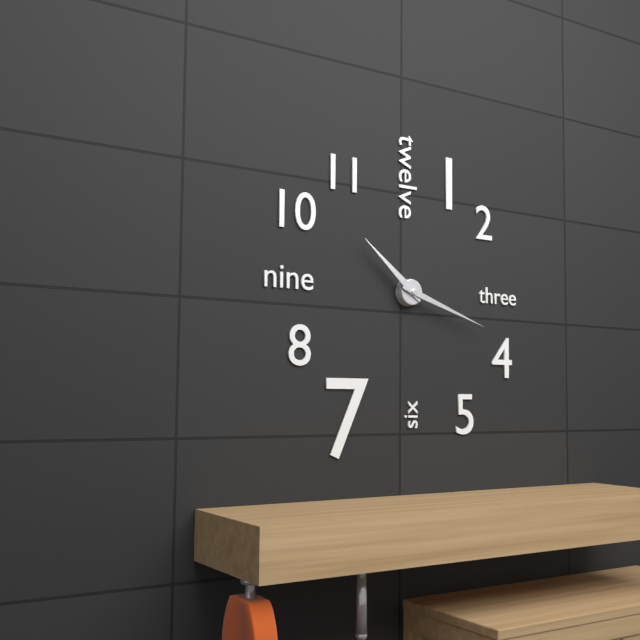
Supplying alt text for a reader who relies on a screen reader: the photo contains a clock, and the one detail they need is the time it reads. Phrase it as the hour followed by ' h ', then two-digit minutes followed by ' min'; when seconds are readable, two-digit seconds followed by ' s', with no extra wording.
10 h 18 min
